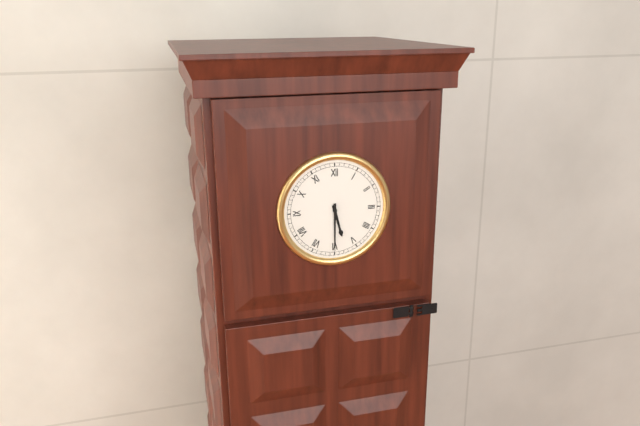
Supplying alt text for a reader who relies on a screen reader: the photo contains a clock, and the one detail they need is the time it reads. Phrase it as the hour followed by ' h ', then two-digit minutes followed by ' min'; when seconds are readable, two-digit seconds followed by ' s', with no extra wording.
5 h 30 min
